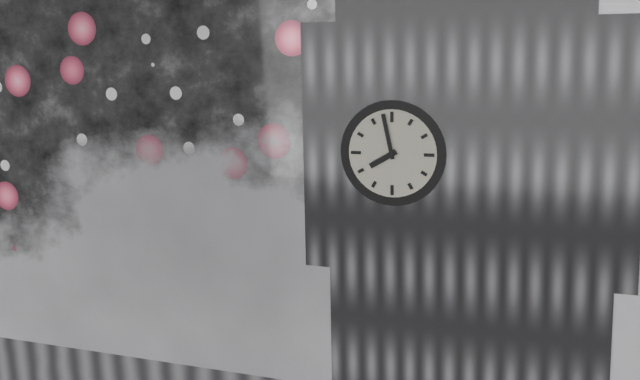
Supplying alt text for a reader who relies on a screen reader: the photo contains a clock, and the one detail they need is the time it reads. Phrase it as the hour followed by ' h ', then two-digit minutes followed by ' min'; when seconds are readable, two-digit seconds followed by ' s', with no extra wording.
7 h 58 min
